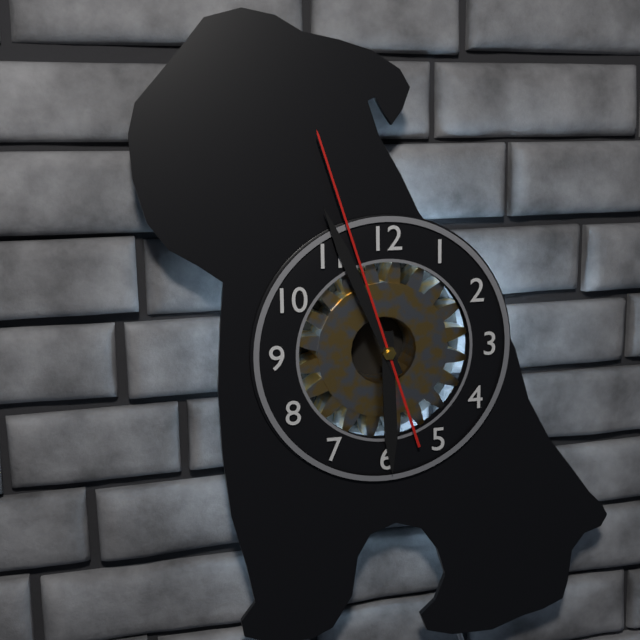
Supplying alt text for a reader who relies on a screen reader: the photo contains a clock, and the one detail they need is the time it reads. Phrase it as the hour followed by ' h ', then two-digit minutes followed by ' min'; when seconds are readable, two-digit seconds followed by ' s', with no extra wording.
5 h 56 min 57 s
